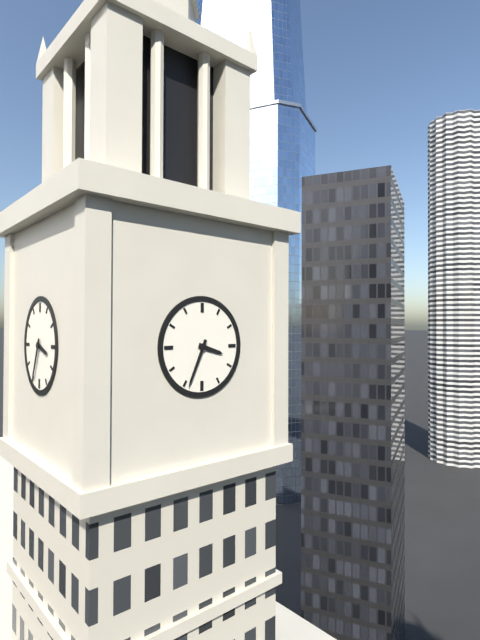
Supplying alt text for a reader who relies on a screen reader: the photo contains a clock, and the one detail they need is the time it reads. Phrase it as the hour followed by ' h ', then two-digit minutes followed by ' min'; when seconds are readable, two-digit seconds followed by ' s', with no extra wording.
3 h 34 min
